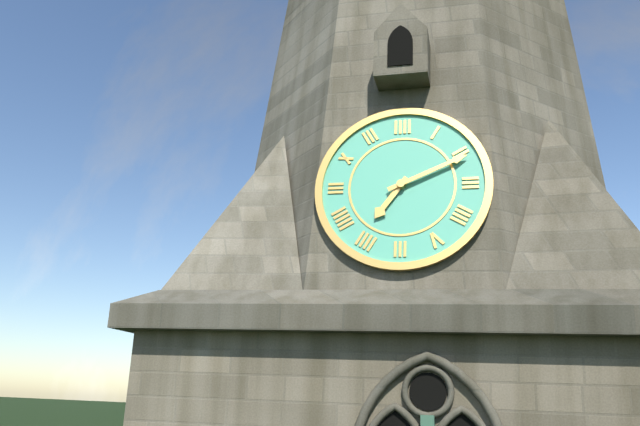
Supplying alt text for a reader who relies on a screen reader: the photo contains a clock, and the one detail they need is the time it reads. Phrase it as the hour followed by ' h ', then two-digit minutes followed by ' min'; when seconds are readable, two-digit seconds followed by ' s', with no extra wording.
7 h 11 min
